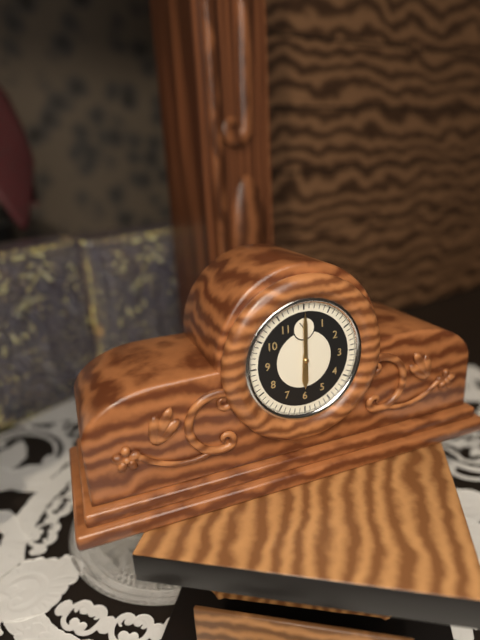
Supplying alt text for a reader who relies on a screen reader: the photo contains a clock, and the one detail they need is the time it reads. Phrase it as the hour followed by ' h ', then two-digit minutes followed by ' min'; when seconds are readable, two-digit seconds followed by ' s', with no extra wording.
6 h 00 min
